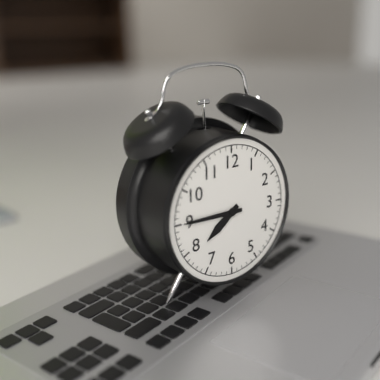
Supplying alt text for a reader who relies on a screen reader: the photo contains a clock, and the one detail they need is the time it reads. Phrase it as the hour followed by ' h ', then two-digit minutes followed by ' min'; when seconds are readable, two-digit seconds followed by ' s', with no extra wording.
7 h 45 min
